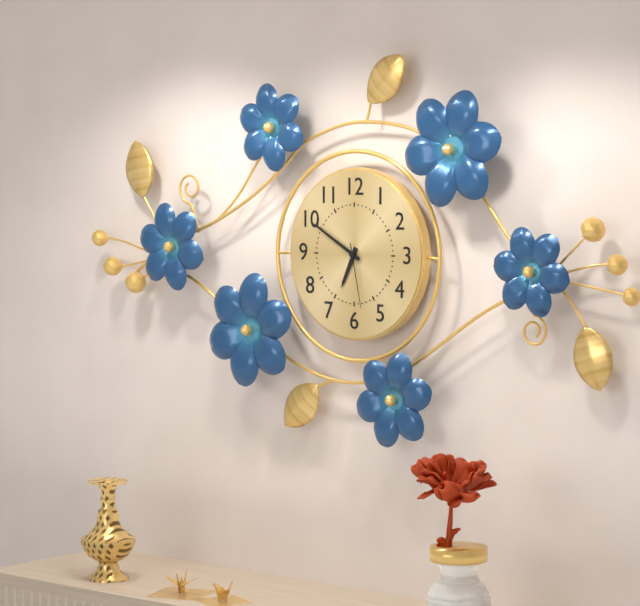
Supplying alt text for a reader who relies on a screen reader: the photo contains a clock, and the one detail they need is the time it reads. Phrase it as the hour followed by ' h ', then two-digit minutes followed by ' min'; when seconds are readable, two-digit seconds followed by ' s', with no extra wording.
6 h 50 min 28 s
